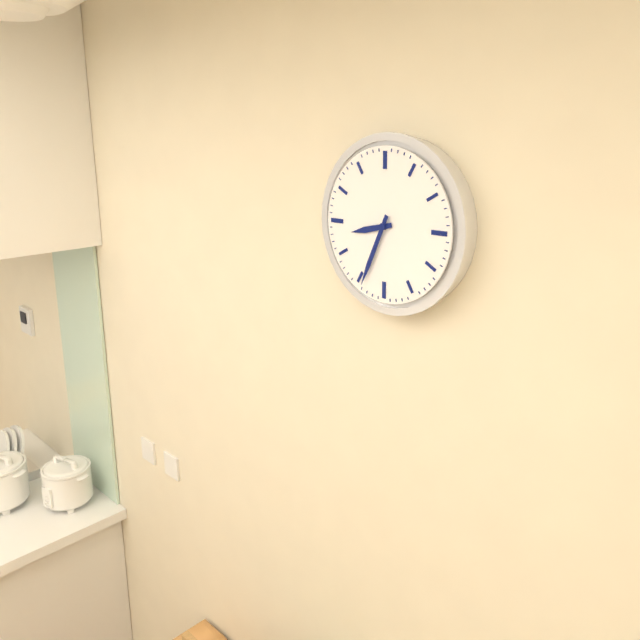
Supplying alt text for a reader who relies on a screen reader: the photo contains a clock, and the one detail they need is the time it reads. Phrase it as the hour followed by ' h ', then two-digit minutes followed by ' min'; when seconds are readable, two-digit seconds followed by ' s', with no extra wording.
8 h 34 min
